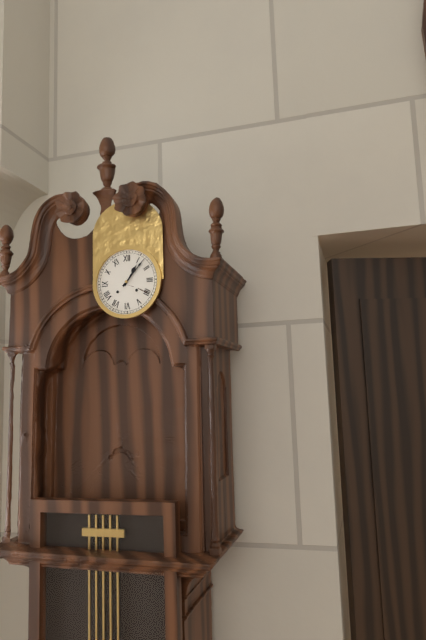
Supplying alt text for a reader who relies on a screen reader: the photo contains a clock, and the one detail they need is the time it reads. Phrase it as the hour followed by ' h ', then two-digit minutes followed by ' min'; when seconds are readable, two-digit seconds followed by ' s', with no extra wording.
1 h 07 min
